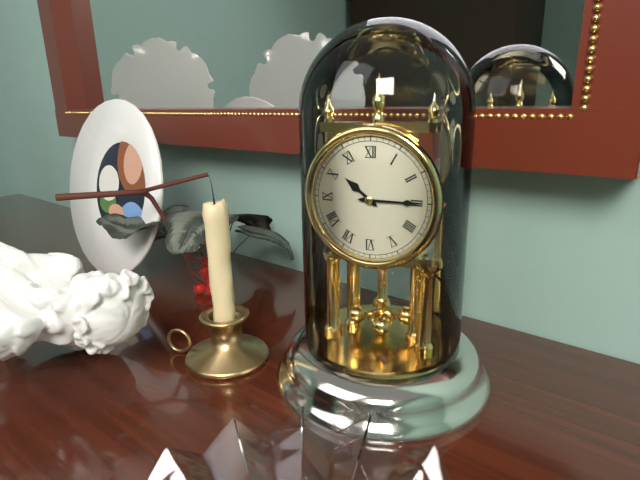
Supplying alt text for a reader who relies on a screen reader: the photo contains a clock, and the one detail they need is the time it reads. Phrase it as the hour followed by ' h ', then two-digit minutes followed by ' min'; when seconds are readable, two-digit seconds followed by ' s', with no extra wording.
10 h 15 min
